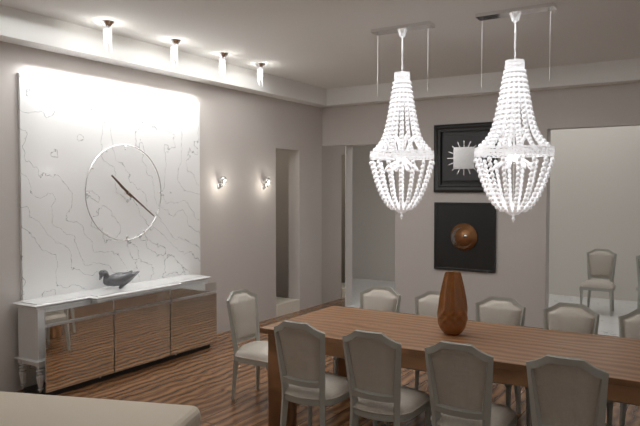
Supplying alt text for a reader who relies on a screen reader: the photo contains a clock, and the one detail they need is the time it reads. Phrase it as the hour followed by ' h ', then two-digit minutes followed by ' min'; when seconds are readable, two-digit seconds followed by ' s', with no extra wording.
10 h 21 min
